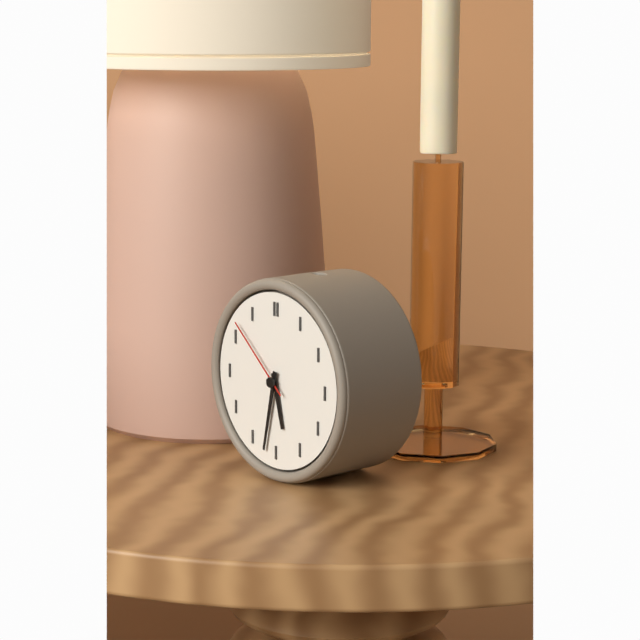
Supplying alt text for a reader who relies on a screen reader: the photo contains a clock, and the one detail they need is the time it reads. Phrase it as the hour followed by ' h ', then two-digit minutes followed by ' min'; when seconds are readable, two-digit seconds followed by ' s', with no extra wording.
5 h 32 min 52 s
